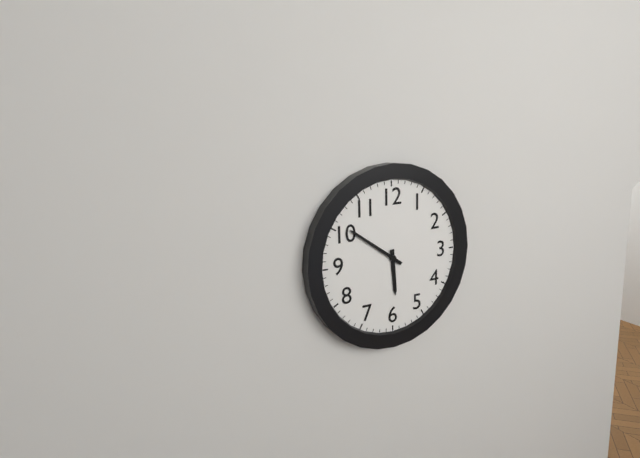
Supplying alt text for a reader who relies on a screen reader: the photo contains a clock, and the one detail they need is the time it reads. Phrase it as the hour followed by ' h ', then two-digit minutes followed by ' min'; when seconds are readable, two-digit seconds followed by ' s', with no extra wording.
5 h 51 min
